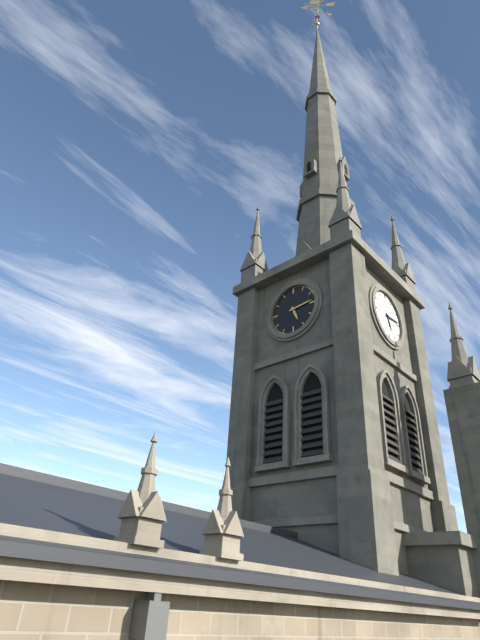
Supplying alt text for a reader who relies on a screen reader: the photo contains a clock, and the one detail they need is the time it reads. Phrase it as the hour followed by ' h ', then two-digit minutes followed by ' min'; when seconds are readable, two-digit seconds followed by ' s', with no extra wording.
5 h 14 min
